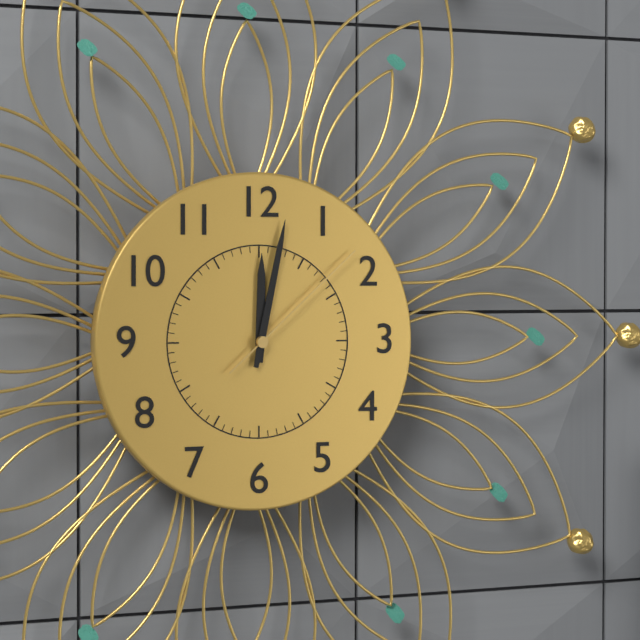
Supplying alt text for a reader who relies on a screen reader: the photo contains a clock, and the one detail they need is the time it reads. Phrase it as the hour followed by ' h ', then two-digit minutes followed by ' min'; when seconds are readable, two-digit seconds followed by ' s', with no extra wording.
12 h 02 min 08 s
